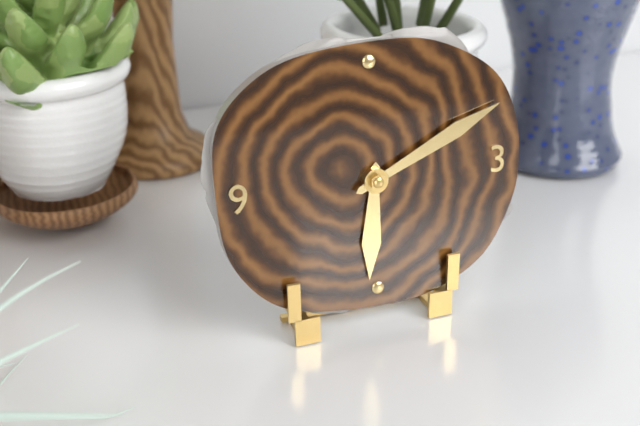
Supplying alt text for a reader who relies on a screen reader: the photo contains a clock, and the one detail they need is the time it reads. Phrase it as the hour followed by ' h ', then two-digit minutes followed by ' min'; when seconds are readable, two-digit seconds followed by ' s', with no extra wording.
6 h 11 min
